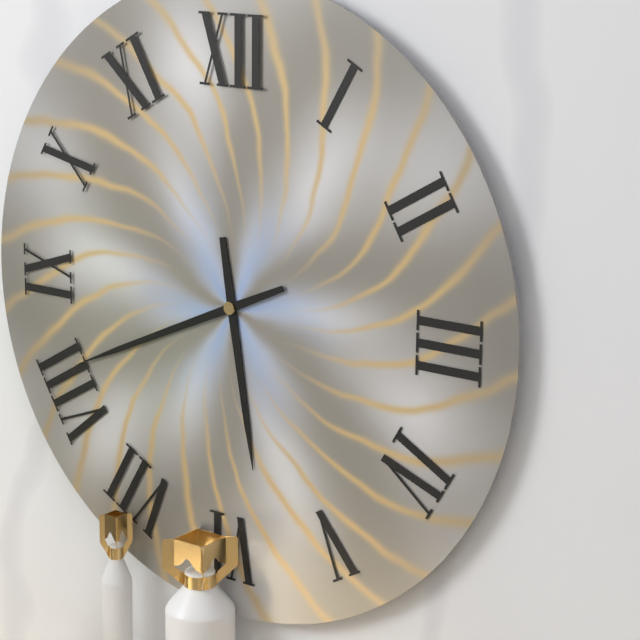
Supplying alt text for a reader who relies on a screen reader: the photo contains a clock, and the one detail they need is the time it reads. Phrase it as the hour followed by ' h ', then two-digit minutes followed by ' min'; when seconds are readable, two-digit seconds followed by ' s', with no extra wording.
5 h 41 min
